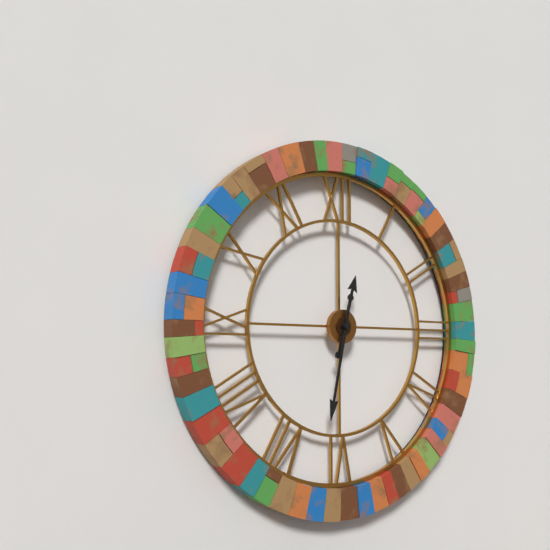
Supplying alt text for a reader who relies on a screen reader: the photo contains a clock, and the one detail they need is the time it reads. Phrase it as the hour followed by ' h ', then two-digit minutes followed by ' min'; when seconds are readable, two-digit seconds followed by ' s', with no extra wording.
12 h 32 min
